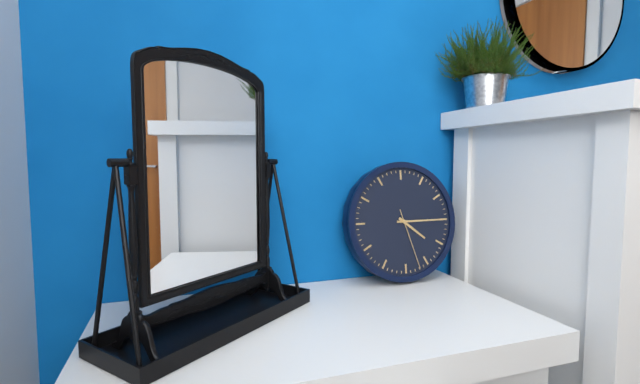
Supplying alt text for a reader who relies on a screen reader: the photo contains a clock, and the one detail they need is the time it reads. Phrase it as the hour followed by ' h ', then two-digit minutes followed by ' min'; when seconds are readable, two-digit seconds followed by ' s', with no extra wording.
4 h 15 min 27 s
